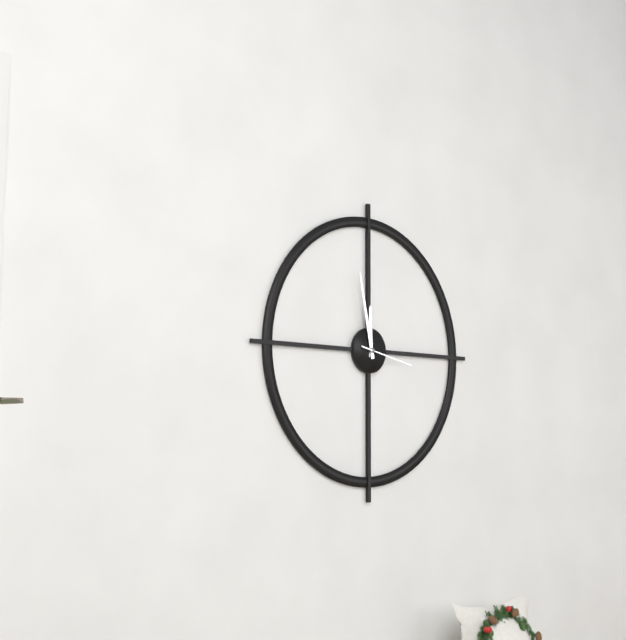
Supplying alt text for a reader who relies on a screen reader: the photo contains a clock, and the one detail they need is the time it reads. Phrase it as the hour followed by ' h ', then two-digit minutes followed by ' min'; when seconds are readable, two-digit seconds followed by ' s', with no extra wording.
11 h 58 min 17 s
